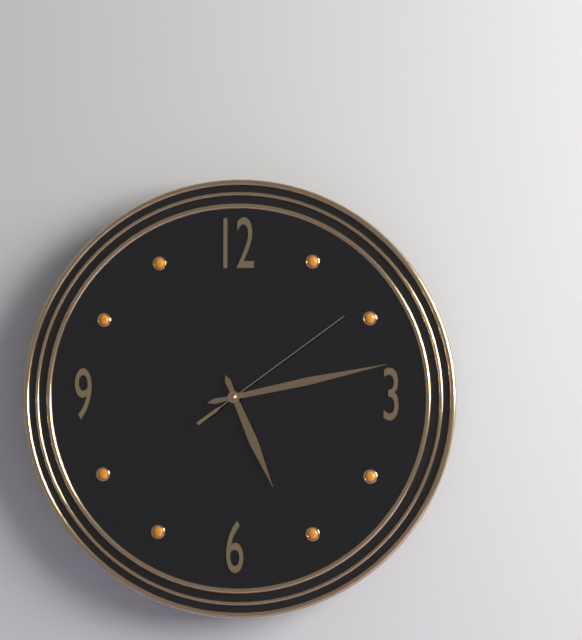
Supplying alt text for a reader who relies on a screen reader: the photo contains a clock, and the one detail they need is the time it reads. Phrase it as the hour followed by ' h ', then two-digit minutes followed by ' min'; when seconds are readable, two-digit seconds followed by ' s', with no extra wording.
5 h 13 min 09 s
